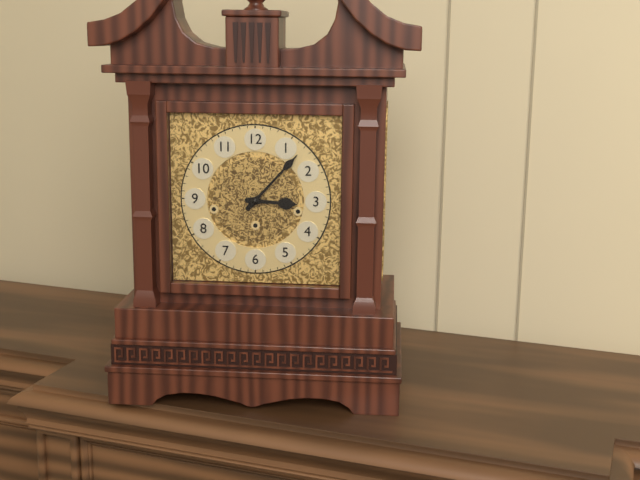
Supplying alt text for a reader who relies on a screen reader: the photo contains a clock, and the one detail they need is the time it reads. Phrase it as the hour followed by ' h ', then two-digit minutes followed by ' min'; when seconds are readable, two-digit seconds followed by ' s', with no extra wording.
3 h 07 min
